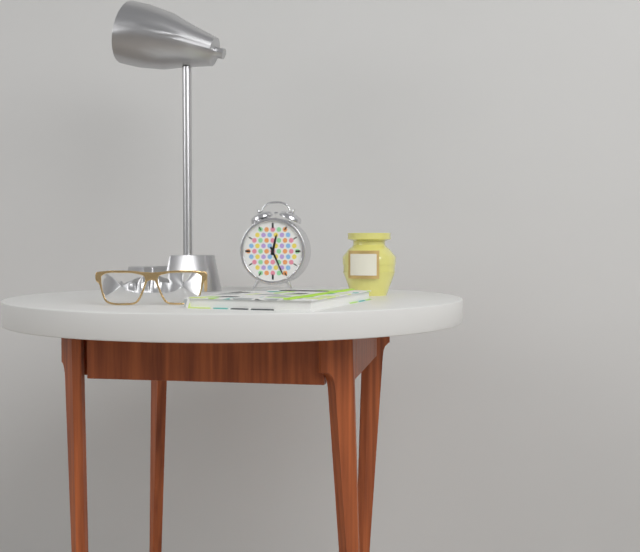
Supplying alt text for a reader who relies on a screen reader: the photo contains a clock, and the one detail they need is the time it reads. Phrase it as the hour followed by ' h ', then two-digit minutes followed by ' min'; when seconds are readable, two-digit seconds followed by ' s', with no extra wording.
12 h 26 min
